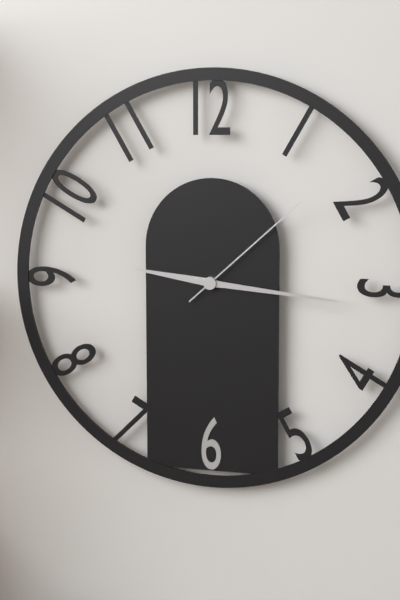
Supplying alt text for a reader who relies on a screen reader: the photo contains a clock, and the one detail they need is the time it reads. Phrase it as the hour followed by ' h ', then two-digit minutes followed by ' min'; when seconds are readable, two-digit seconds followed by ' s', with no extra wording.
9 h 16 min 08 s
